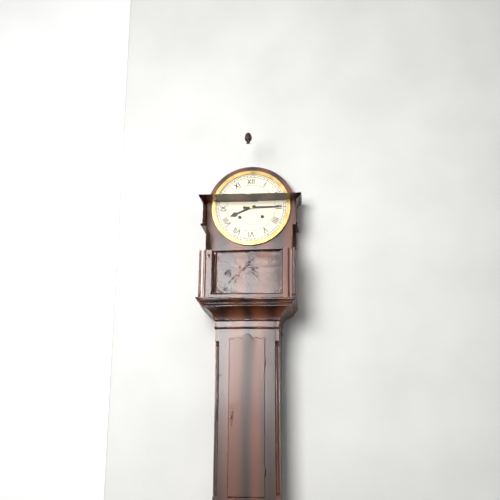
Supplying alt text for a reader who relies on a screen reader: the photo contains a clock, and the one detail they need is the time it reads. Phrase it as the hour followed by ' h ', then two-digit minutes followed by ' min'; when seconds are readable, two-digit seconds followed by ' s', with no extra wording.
8 h 15 min
